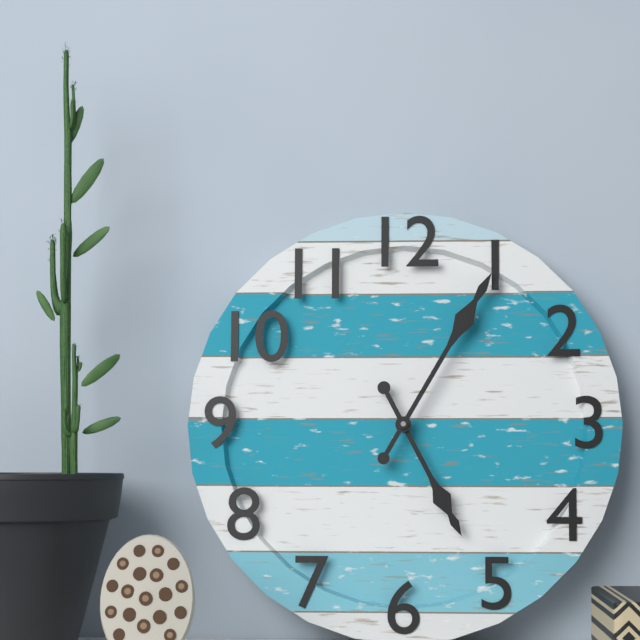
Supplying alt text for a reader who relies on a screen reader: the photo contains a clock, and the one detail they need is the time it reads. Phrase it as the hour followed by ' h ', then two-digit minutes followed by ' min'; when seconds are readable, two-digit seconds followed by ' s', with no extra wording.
5 h 05 min
